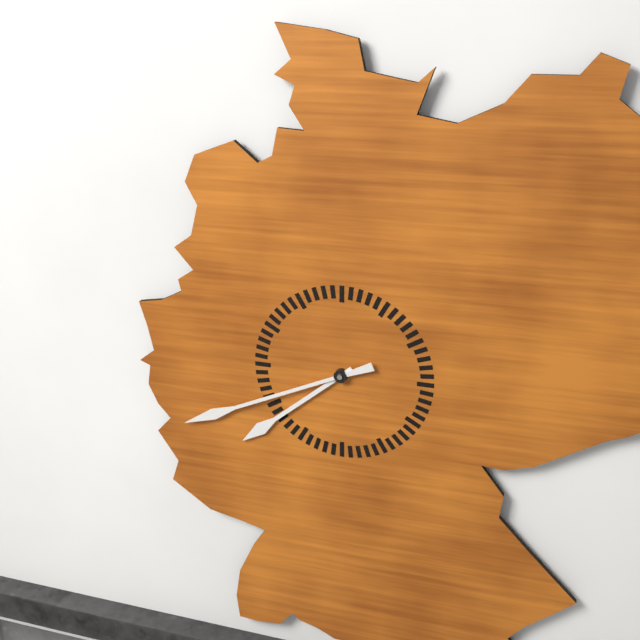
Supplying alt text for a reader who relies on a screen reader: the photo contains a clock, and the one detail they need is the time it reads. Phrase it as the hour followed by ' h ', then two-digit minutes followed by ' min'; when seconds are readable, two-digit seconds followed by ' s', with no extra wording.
7 h 41 min
